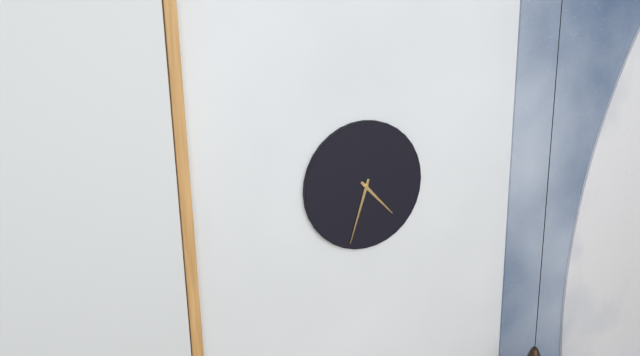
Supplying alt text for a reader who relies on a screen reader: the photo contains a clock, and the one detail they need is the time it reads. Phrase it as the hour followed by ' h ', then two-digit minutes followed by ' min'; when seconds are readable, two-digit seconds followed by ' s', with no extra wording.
4 h 33 min
